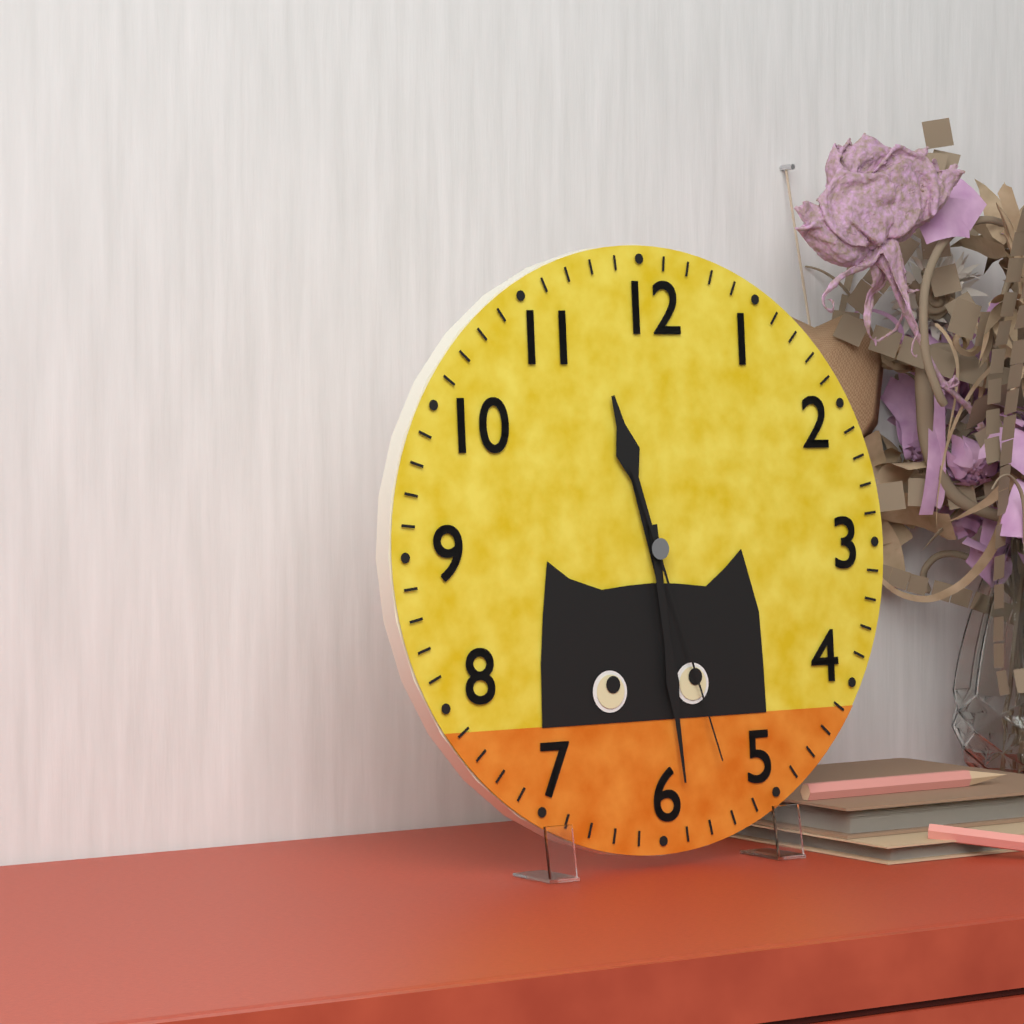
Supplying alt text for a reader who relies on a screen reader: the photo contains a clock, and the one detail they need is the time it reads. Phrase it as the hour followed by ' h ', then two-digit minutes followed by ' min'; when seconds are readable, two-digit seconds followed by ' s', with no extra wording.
11 h 29 min 27 s
